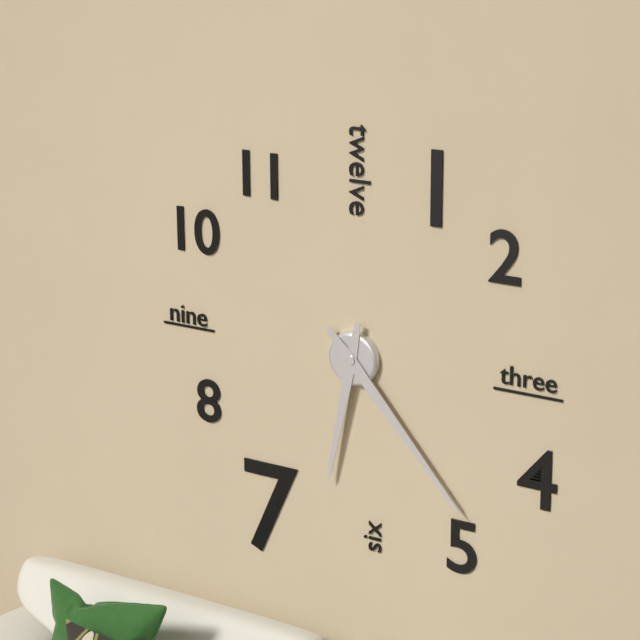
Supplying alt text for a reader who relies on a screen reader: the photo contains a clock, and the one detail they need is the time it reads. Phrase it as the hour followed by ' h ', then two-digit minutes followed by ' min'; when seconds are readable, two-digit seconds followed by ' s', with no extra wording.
6 h 23 min
